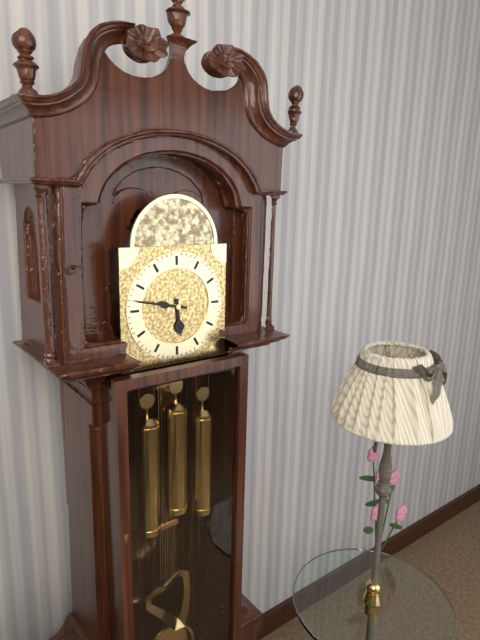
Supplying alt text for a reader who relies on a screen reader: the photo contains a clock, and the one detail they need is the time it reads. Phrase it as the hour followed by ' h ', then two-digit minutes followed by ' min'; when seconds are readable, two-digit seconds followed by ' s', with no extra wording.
5 h 47 min
